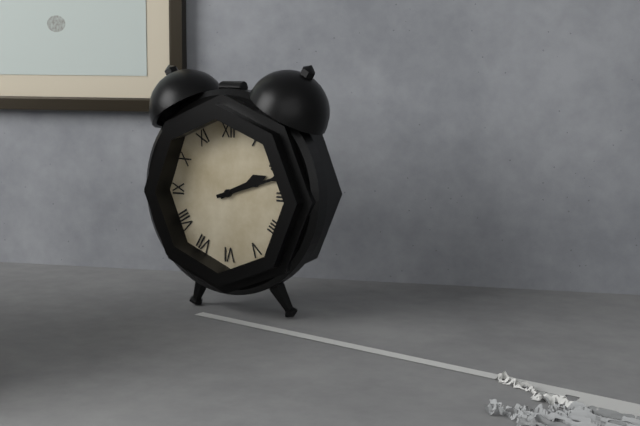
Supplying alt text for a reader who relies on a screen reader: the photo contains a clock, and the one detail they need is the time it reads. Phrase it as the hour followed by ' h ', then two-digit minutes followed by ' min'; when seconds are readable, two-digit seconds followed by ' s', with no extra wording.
2 h 12 min
